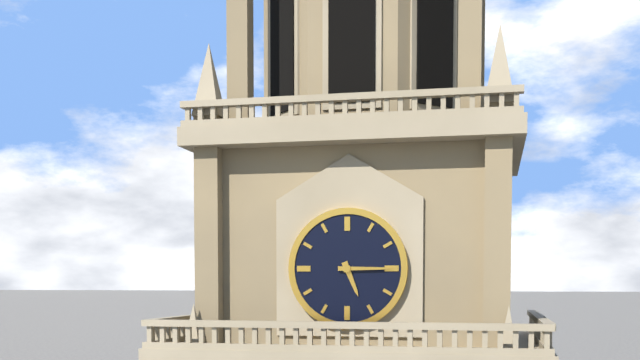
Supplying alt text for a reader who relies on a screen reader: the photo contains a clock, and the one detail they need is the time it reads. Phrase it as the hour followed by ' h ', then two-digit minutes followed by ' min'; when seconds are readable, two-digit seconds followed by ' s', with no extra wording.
5 h 15 min
